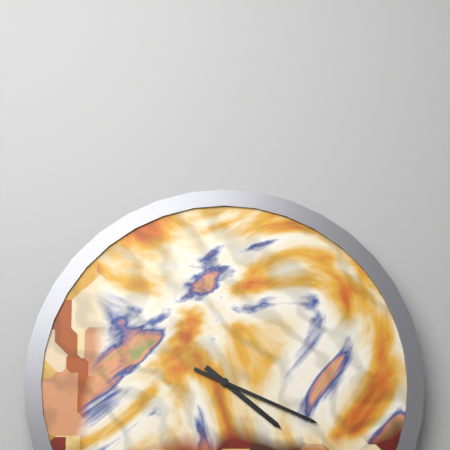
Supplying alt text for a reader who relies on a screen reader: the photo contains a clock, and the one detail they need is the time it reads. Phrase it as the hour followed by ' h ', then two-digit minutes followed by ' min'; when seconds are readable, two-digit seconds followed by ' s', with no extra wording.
4 h 19 min
